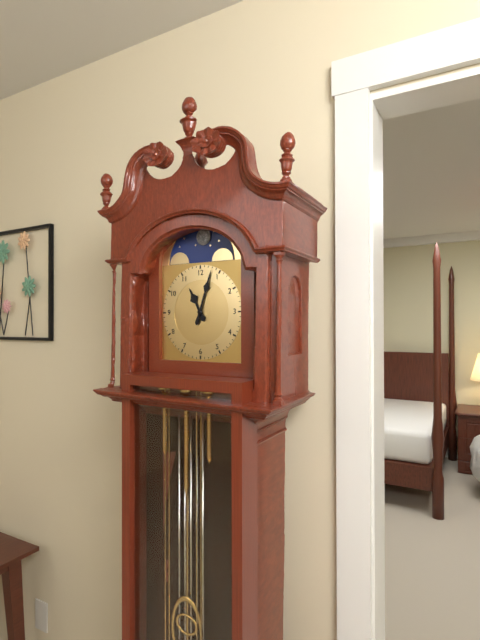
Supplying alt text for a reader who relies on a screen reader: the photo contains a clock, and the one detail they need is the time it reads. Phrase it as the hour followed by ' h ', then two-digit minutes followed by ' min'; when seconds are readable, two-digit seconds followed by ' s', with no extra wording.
11 h 03 min
